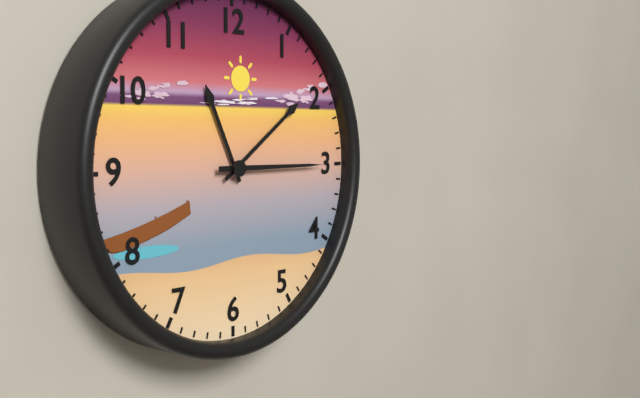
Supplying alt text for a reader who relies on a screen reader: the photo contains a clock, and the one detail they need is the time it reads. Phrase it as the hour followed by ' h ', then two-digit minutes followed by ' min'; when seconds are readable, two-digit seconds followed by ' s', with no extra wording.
11 h 09 min 15 s
